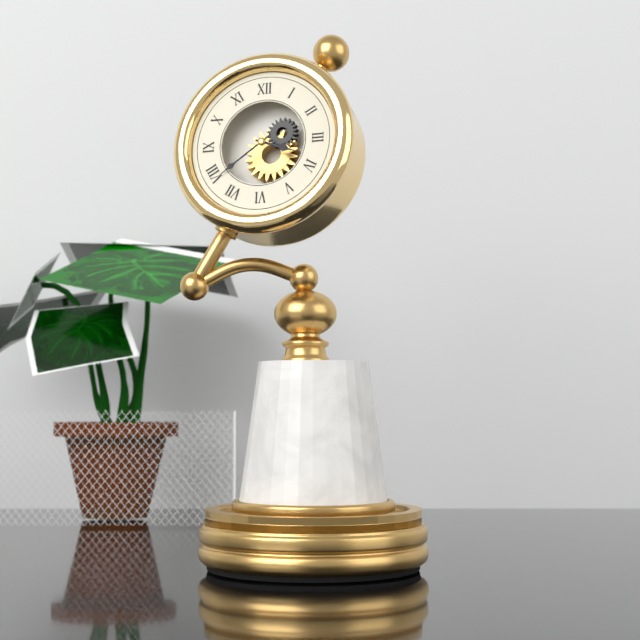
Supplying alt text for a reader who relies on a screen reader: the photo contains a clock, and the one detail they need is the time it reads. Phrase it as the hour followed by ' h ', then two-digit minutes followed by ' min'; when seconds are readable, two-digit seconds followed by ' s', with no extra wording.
3 h 39 min
